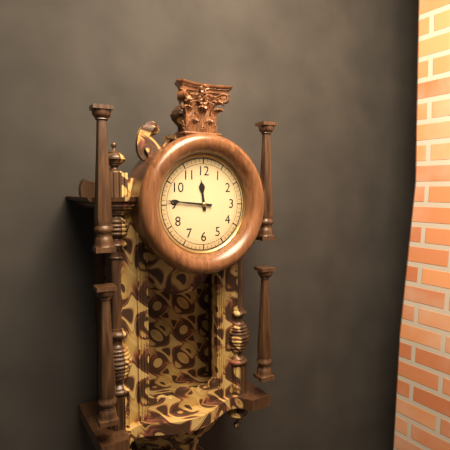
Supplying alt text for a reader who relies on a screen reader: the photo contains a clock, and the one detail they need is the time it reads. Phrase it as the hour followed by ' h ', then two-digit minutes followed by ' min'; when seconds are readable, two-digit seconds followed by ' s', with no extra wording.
11 h 46 min
